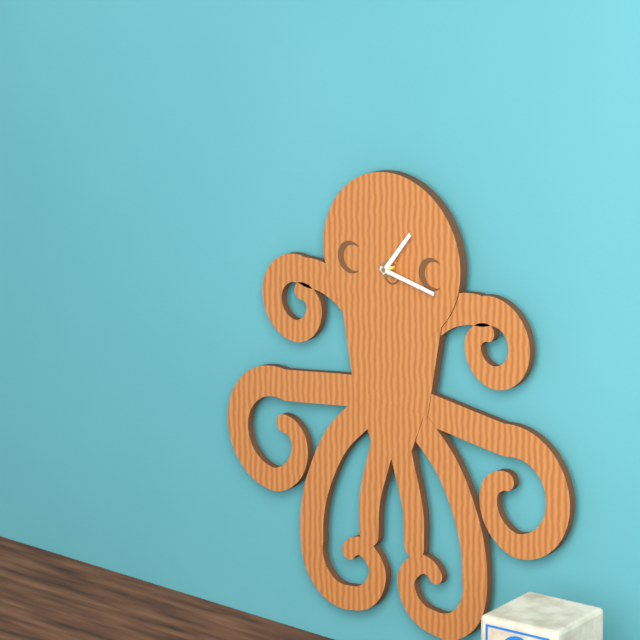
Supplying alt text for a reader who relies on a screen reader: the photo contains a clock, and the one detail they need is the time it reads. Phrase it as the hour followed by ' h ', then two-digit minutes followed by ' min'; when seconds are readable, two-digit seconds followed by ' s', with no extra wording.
1 h 17 min
